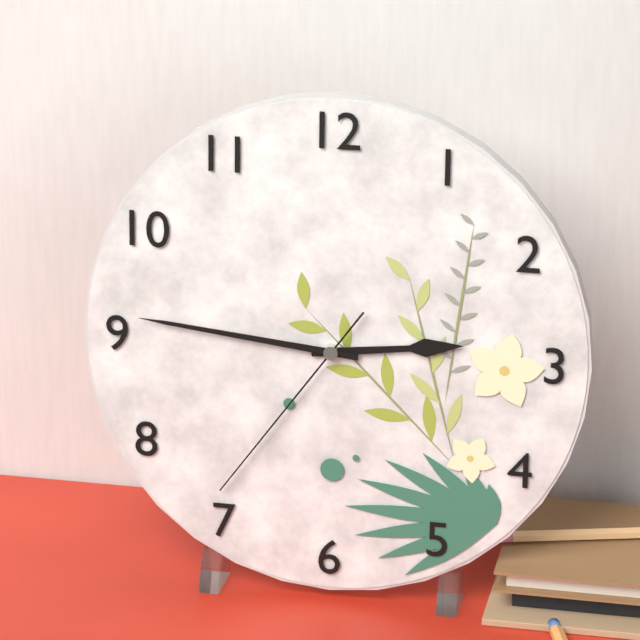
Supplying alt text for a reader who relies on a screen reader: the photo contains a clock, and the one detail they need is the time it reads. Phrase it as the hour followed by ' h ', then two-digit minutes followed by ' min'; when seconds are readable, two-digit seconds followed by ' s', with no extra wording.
2 h 46 min 36 s
